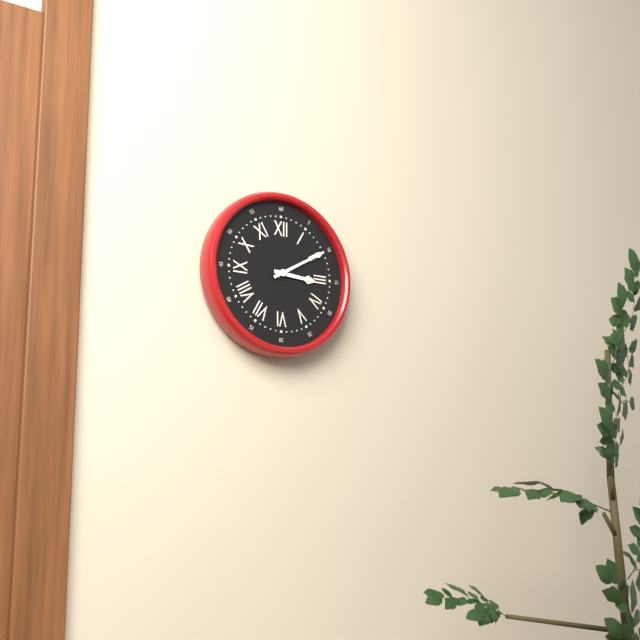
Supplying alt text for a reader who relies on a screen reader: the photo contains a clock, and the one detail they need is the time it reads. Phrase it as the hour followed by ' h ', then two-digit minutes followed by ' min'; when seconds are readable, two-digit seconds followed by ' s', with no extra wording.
3 h 10 min
